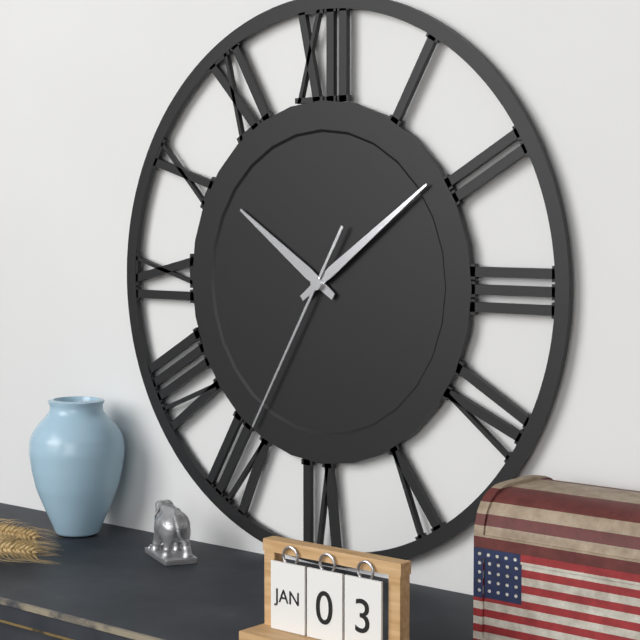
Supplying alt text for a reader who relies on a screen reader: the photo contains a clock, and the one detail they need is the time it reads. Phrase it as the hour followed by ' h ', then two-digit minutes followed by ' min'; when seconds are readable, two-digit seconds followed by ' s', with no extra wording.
10 h 09 min 35 s
